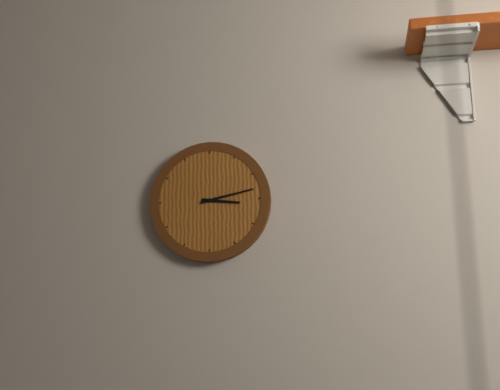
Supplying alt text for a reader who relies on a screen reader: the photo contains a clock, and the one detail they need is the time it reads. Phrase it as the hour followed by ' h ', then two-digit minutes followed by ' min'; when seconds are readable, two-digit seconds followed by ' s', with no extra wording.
3 h 13 min
